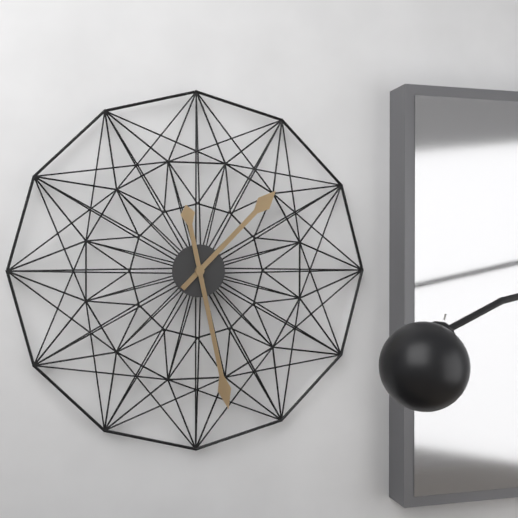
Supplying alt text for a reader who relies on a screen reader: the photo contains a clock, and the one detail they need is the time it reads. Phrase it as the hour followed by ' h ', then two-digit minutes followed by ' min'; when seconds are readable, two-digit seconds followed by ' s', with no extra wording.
1 h 28 min
